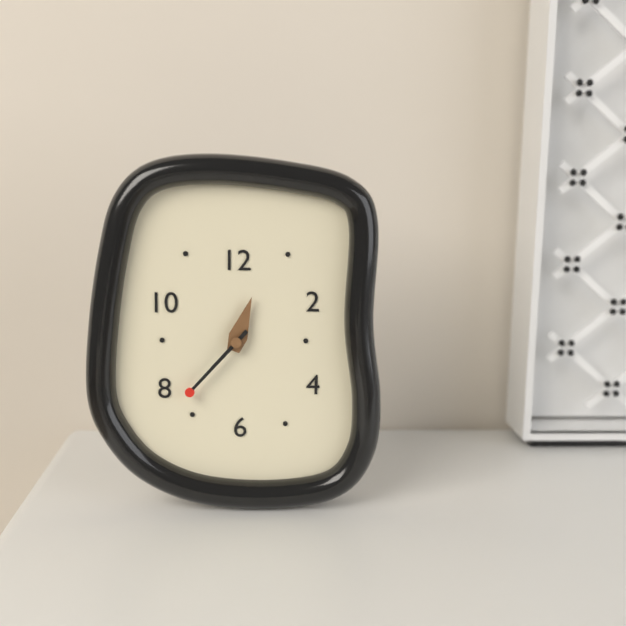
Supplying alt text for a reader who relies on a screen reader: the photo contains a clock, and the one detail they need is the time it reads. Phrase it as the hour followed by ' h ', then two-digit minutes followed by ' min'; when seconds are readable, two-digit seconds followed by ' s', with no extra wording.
12 h 37 min
